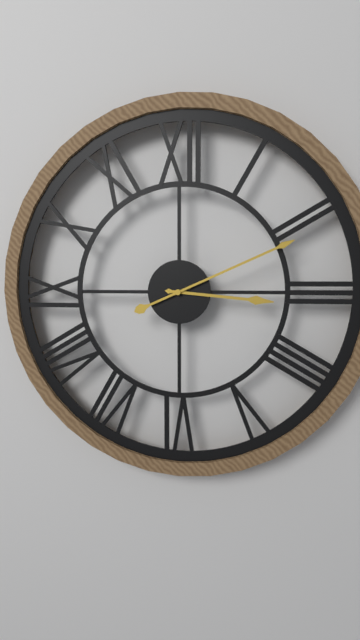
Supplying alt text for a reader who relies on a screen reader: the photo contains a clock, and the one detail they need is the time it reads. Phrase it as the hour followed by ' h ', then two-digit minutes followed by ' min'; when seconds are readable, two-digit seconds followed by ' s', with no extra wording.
3 h 11 min
